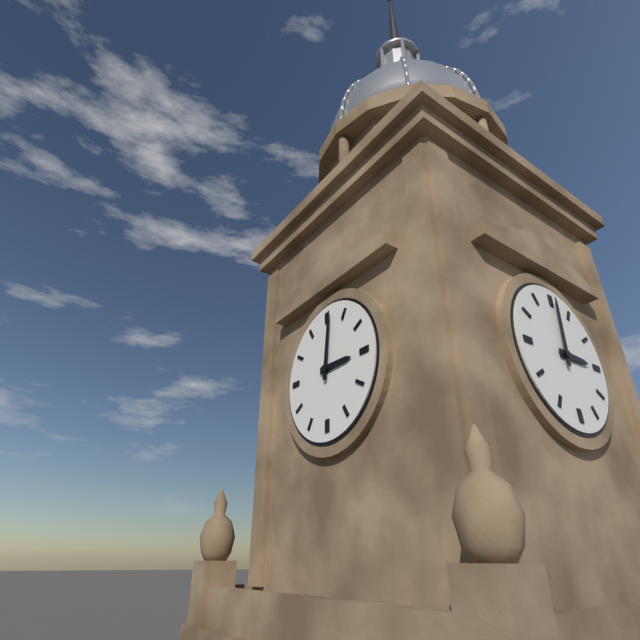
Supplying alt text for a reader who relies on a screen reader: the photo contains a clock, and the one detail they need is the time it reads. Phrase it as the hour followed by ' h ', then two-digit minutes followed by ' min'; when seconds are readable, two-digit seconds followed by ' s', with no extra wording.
3 h 01 min
